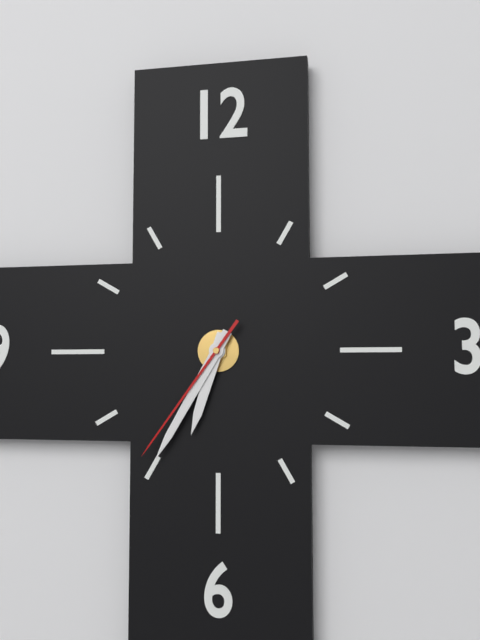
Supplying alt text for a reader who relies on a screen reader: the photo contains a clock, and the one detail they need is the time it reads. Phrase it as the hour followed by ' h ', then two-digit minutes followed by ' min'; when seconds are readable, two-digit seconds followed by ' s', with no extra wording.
6 h 35 min 36 s
